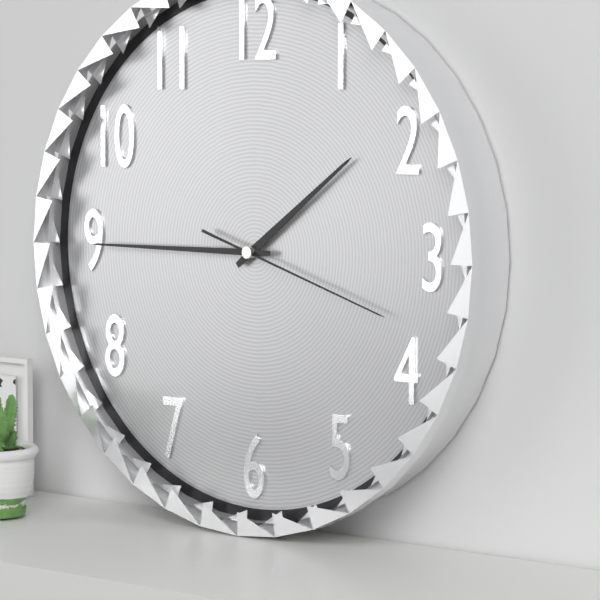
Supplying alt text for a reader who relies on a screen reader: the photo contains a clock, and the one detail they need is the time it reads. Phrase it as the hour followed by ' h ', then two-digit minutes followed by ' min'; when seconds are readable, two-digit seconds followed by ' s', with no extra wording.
1 h 45 min 18 s
